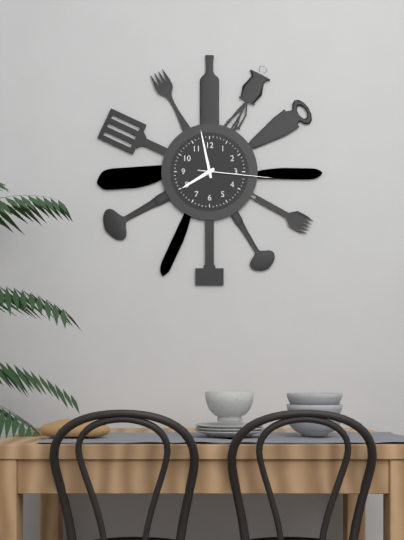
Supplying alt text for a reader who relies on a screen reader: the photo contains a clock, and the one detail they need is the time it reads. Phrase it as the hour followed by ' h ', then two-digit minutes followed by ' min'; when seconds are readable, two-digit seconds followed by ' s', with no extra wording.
7 h 58 min 16 s
